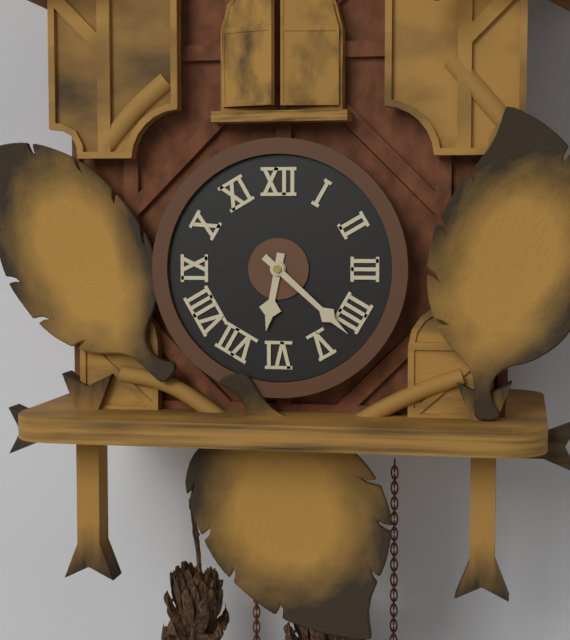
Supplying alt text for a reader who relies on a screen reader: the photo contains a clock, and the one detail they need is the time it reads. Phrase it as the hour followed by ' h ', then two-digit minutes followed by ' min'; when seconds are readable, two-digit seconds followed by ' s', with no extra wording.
6 h 22 min
